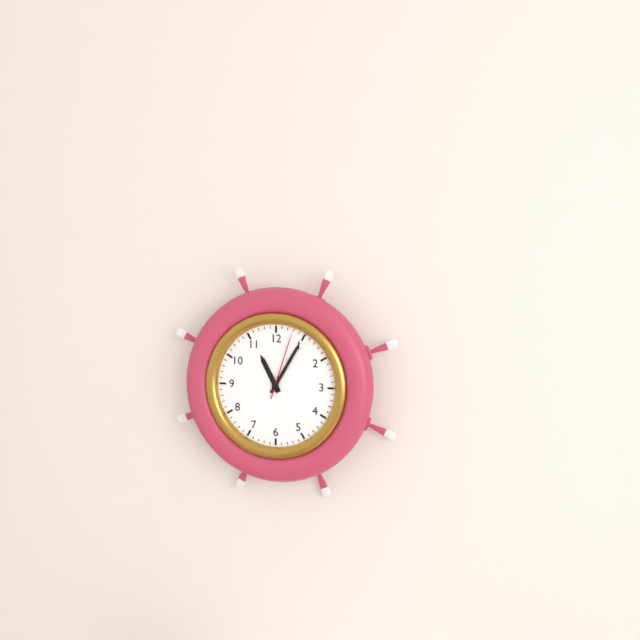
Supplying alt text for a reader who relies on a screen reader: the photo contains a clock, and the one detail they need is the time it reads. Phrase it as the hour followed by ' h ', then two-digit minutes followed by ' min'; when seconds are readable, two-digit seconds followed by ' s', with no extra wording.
11 h 05 min 03 s
